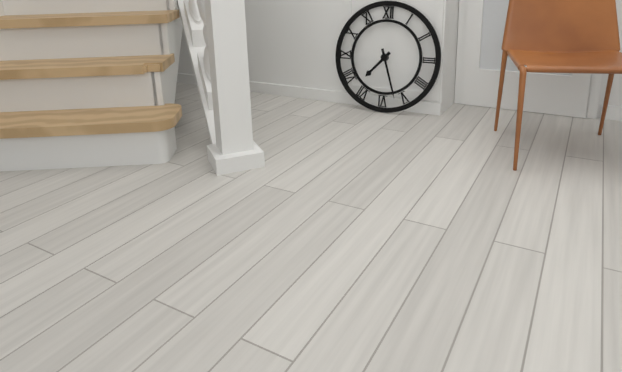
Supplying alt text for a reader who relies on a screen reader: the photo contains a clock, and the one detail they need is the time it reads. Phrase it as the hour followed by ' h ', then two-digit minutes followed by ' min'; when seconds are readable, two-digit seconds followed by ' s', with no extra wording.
7 h 27 min
